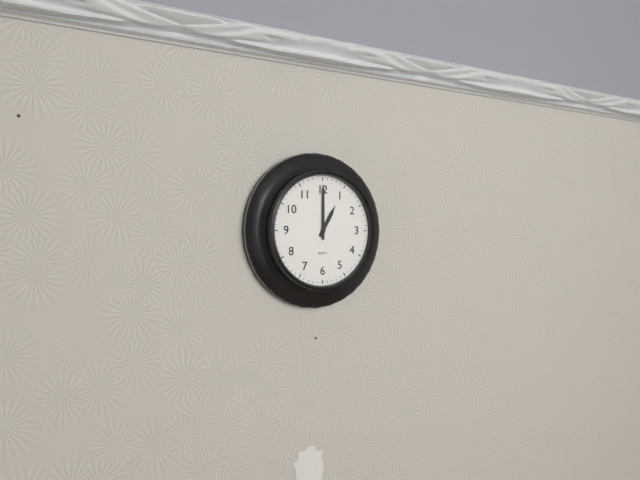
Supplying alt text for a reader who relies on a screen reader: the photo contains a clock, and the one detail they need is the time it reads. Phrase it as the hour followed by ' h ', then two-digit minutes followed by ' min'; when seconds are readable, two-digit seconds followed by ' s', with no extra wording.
1 h 00 min
